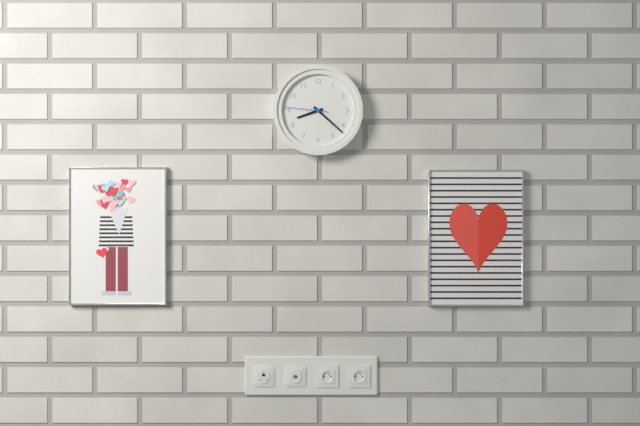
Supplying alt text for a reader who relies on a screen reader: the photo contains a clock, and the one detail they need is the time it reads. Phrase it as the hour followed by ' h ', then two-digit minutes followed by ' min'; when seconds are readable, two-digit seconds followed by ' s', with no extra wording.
8 h 22 min
